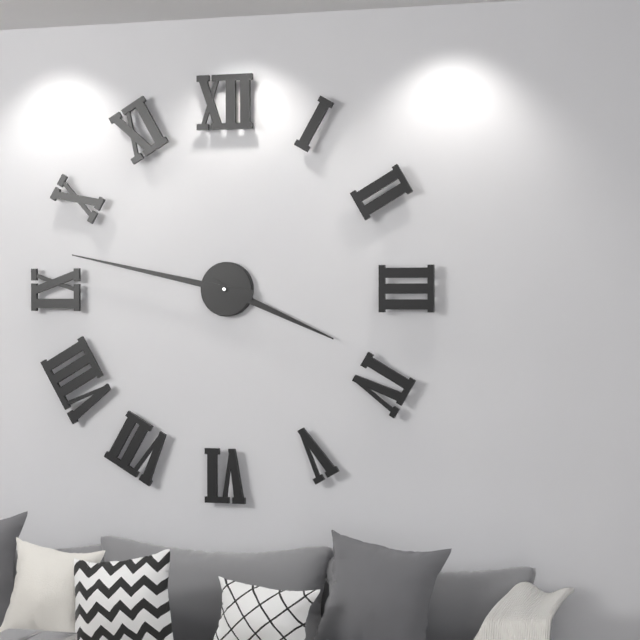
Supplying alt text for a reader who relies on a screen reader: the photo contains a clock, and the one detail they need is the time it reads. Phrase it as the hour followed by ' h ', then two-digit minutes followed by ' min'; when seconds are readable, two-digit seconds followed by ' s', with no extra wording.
3 h 47 min
